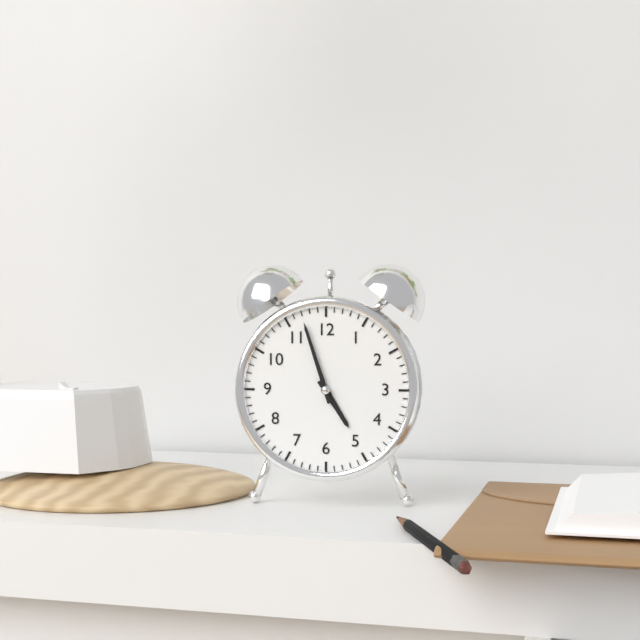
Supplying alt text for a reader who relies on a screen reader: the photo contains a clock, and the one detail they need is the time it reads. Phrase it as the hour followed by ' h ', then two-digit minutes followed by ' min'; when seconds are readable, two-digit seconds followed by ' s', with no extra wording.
4 h 57 min
